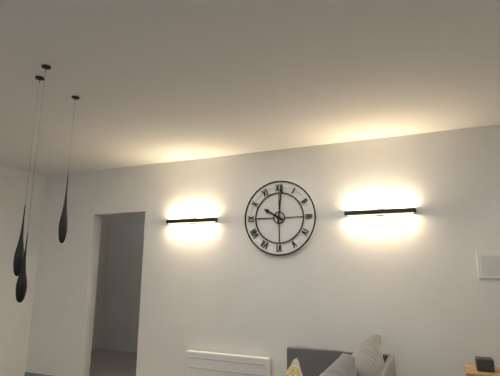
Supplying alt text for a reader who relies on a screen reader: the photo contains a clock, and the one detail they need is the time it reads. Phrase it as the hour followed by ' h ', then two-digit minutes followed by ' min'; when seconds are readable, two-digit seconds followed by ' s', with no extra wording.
10 h 01 min
